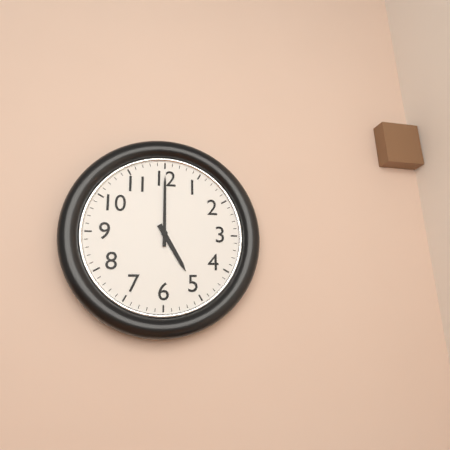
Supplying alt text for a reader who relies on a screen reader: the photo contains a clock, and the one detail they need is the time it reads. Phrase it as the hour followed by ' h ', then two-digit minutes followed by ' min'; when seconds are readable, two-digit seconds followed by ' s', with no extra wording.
5 h 00 min
